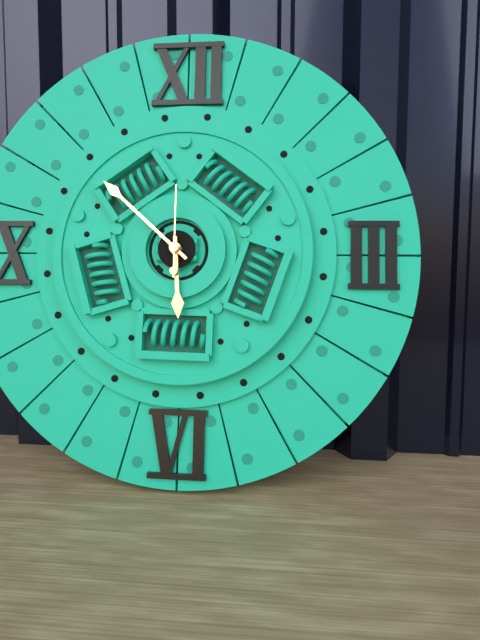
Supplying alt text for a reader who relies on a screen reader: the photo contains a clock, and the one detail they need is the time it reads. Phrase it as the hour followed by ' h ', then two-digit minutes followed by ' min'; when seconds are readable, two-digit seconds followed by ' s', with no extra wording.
5 h 52 min 00 s
